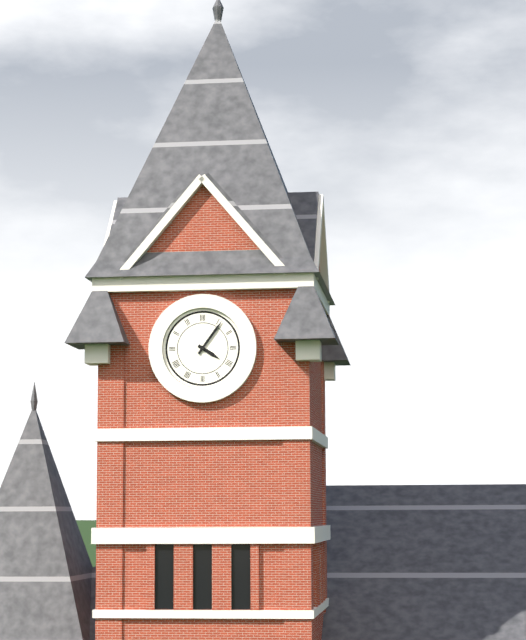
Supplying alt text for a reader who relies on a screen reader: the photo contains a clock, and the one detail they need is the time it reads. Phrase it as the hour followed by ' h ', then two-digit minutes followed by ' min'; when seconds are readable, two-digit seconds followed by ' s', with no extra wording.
4 h 06 min
